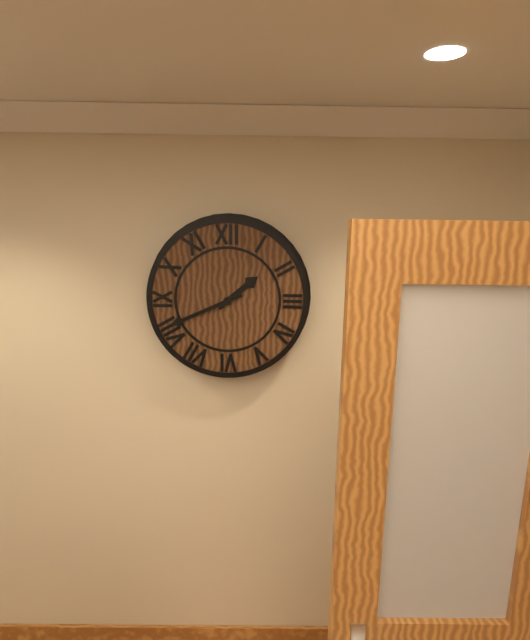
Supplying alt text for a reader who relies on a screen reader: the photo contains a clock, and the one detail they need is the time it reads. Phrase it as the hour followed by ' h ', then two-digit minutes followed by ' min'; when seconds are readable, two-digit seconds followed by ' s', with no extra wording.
1 h 41 min
